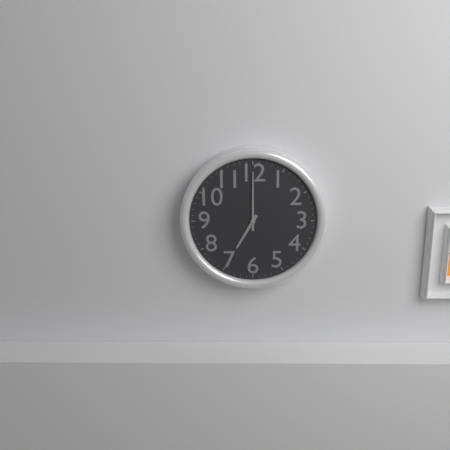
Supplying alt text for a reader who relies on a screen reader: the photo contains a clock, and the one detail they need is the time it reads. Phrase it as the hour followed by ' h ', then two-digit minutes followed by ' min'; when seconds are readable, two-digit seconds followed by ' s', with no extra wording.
7 h 00 min
